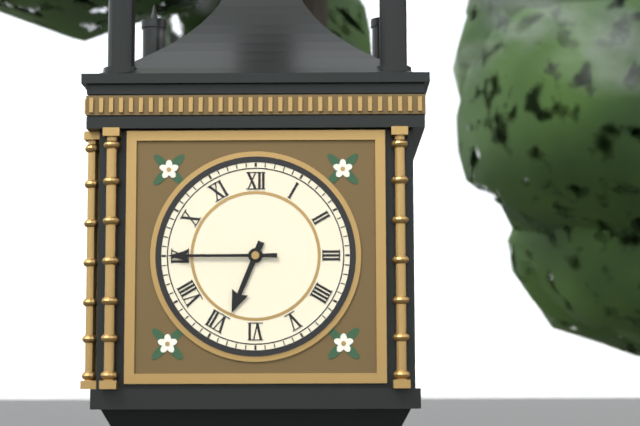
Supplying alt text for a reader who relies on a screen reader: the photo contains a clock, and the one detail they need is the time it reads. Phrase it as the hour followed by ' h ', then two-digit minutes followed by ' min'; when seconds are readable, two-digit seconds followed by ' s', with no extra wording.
6 h 45 min
